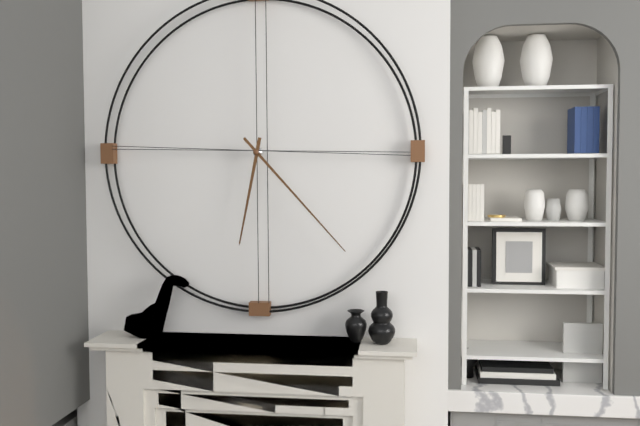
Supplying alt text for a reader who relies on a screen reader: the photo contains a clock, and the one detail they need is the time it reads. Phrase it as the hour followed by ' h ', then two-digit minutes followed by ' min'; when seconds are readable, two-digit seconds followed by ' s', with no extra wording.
6 h 23 min
